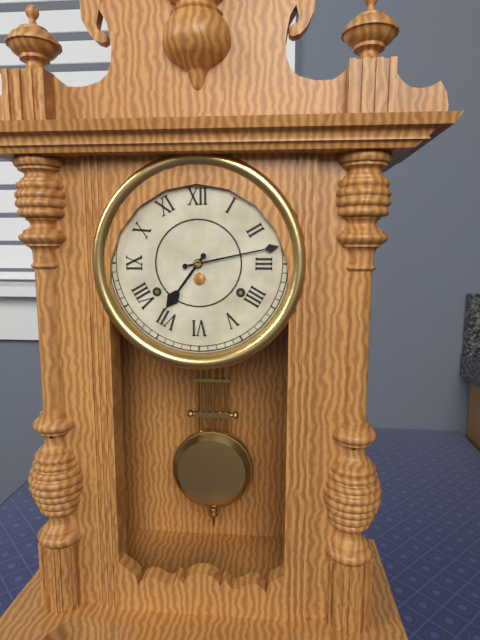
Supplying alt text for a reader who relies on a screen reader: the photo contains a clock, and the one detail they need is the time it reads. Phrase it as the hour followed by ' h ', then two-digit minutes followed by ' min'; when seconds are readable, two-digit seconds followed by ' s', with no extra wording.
7 h 13 min
